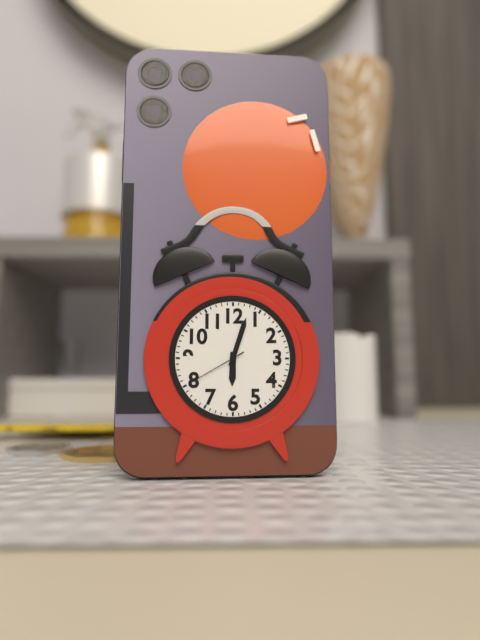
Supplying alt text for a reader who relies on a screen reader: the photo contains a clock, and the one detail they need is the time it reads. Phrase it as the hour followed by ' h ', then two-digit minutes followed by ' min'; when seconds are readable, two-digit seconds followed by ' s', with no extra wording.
6 h 03 min 40 s
